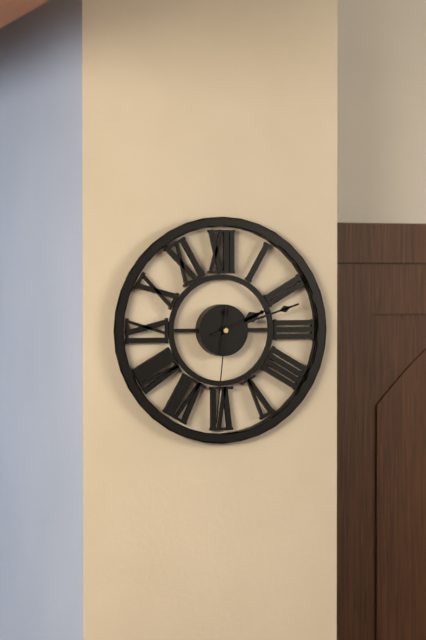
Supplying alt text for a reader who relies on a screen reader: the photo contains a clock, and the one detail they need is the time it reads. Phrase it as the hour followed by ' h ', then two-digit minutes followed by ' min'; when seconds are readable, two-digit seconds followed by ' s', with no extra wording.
2 h 12 min 31 s
